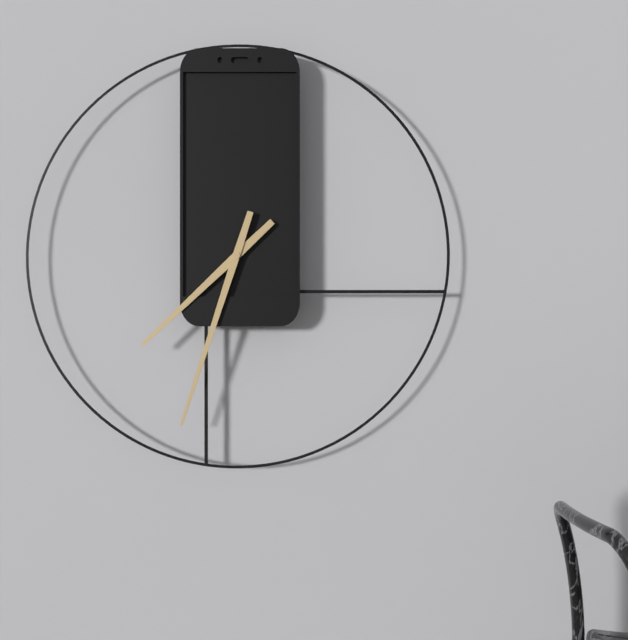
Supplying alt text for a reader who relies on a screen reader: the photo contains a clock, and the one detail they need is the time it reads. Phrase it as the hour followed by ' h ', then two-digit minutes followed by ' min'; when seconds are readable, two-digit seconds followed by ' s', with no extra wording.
7 h 33 min
